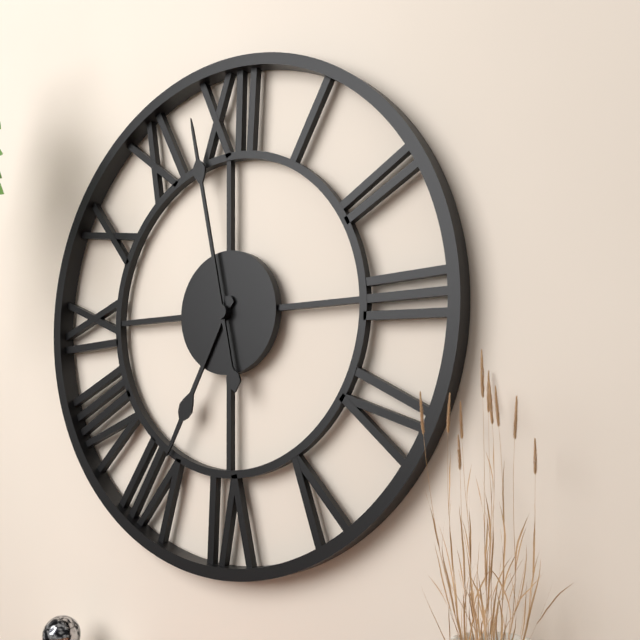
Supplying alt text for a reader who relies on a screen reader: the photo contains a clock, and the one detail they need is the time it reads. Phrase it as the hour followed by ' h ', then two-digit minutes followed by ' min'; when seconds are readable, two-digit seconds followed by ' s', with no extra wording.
6 h 58 min
